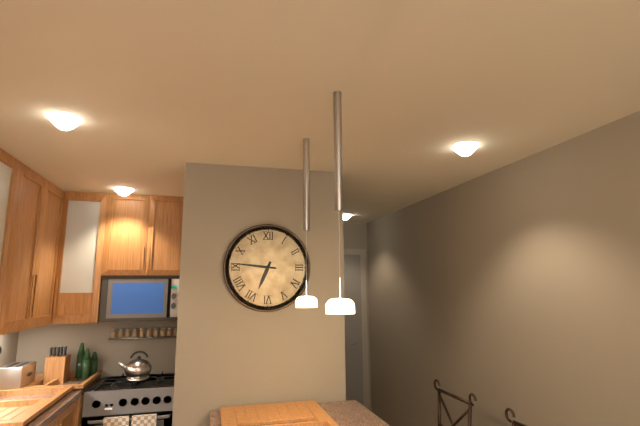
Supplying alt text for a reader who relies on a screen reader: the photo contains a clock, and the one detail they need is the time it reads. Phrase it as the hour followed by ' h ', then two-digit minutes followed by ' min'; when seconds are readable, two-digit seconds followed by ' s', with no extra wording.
6 h 46 min
